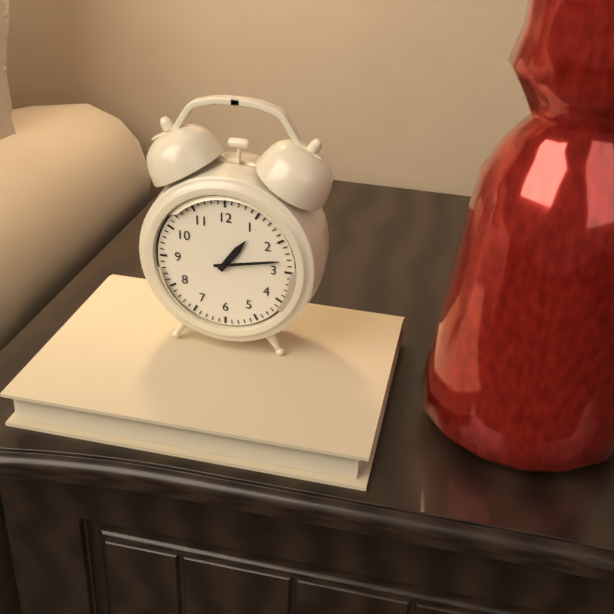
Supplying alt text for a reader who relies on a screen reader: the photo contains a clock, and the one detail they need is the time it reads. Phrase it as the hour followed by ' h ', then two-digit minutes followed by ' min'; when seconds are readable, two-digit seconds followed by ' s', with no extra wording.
1 h 13 min
